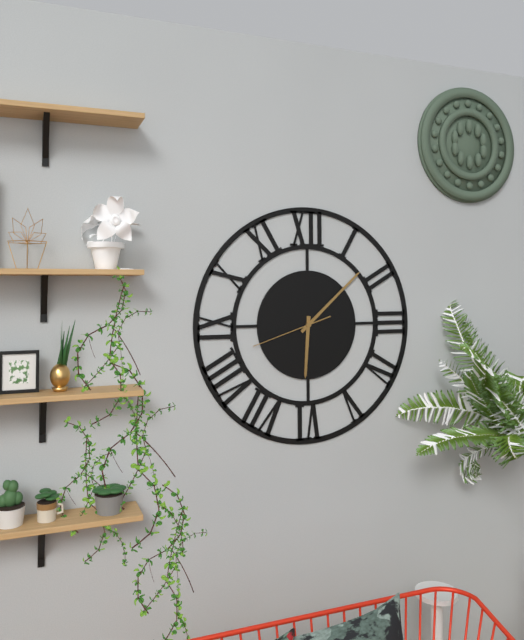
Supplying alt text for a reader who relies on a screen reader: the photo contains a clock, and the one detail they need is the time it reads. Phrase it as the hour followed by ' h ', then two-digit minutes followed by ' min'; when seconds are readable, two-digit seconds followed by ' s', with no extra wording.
6 h 08 min 42 s
